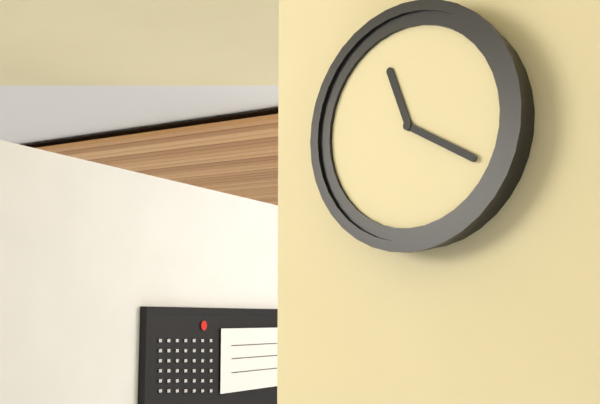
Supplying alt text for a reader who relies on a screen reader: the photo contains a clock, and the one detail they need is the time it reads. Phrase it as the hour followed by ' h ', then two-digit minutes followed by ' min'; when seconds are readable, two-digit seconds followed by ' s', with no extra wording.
11 h 20 min
